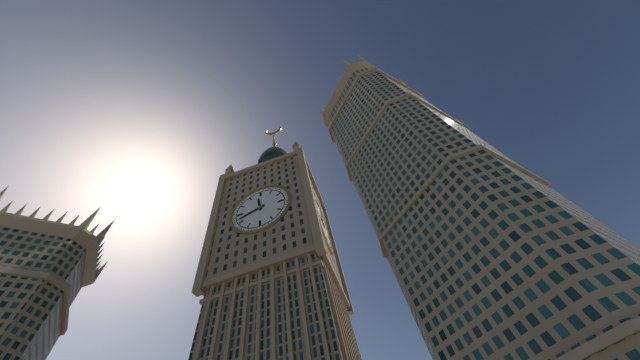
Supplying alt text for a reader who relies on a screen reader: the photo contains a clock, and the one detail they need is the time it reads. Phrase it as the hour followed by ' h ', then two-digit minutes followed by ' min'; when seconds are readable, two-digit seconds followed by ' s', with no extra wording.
11 h 42 min
